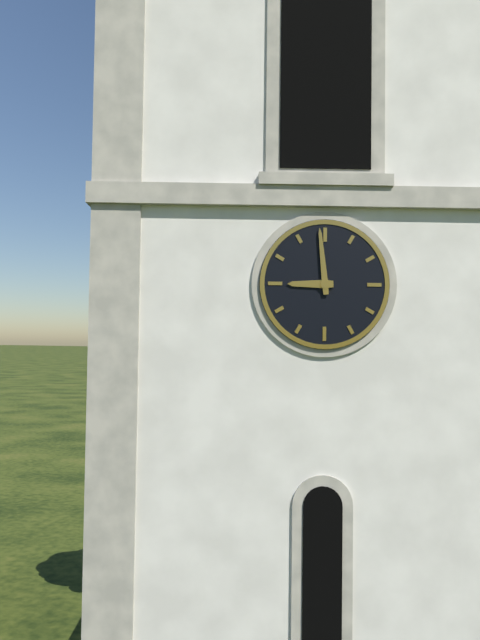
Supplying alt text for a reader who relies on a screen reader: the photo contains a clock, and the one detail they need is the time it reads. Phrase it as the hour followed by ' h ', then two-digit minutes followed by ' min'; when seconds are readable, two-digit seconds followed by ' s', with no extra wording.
8 h 59 min
